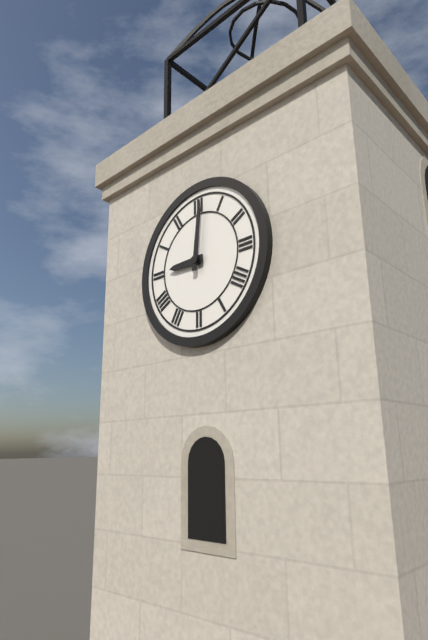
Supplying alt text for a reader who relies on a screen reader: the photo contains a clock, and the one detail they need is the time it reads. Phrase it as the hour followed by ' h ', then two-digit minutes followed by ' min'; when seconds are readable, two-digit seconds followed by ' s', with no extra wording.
9 h 01 min
